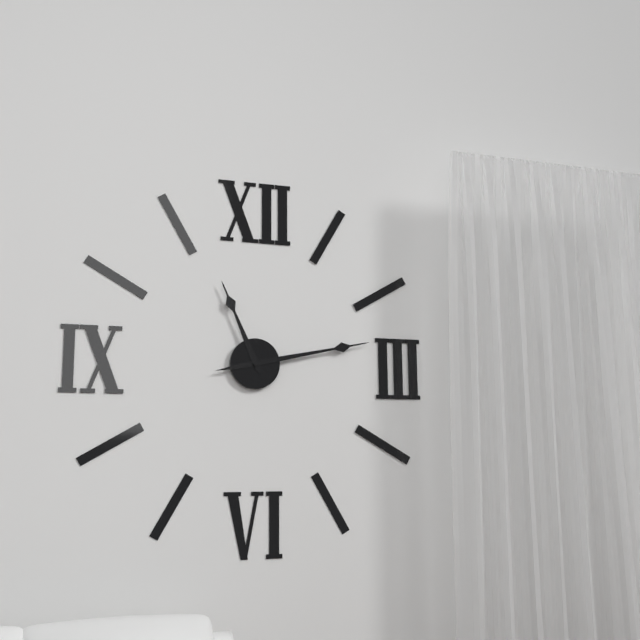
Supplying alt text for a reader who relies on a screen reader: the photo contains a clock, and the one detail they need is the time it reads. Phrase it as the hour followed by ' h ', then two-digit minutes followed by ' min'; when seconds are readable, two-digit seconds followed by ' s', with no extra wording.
11 h 13 min
